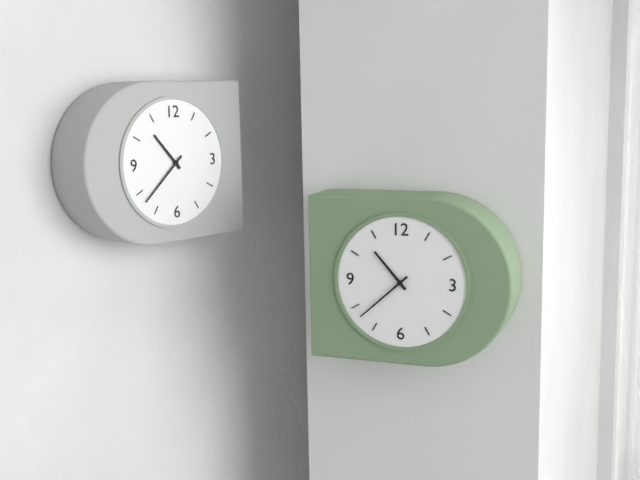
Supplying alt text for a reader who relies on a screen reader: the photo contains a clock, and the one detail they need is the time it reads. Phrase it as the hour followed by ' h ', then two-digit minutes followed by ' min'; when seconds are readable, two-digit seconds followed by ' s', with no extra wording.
10 h 38 min
